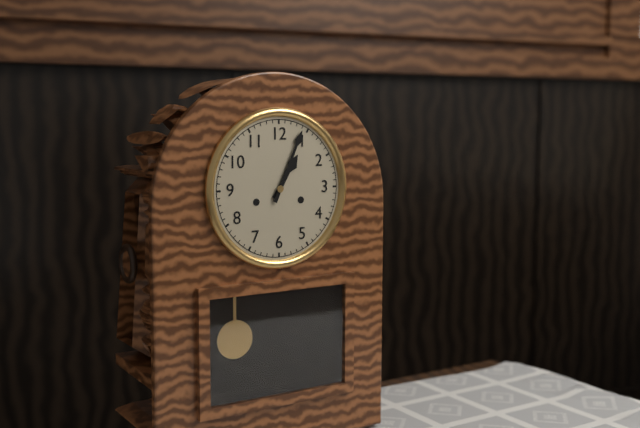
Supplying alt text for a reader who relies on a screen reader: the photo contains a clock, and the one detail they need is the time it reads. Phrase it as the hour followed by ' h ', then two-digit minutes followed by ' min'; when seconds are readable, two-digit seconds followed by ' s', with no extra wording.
1 h 04 min
